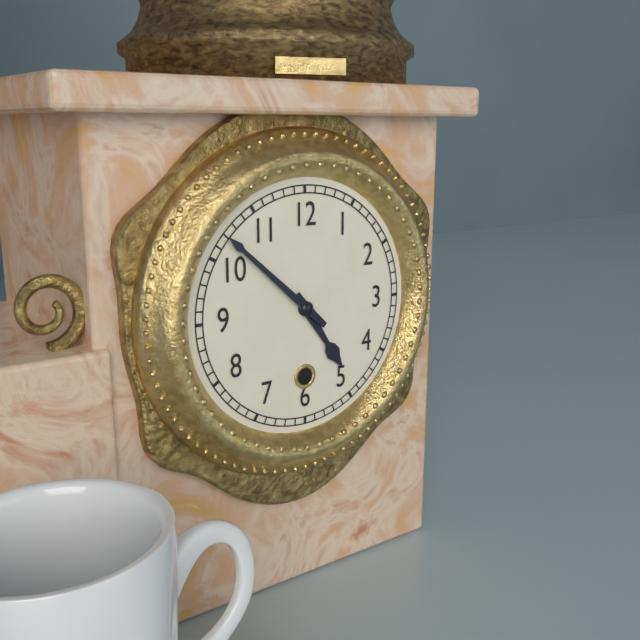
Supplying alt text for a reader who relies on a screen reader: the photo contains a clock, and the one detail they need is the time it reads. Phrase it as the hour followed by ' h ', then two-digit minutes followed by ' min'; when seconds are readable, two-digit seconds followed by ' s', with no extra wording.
4 h 52 min
